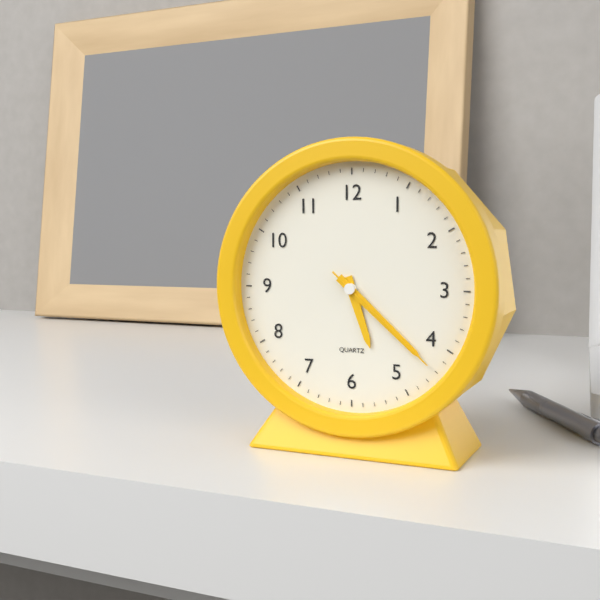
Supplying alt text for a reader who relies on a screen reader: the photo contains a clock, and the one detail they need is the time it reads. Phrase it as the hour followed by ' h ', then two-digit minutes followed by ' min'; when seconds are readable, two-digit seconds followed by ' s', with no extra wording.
5 h 22 min 22 s
